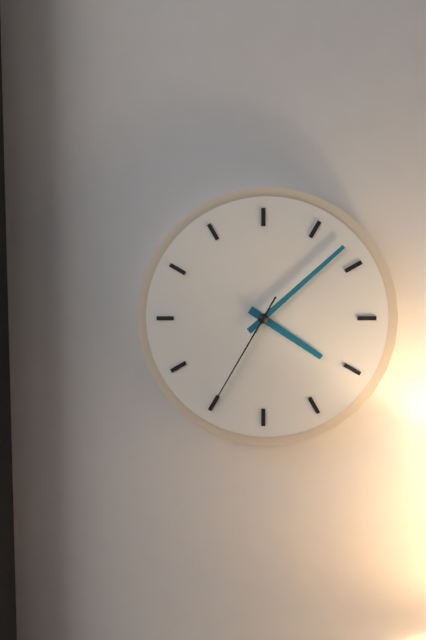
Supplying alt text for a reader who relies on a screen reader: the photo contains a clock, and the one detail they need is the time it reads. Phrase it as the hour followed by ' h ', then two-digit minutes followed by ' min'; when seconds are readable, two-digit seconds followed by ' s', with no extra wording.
4 h 08 min 35 s
